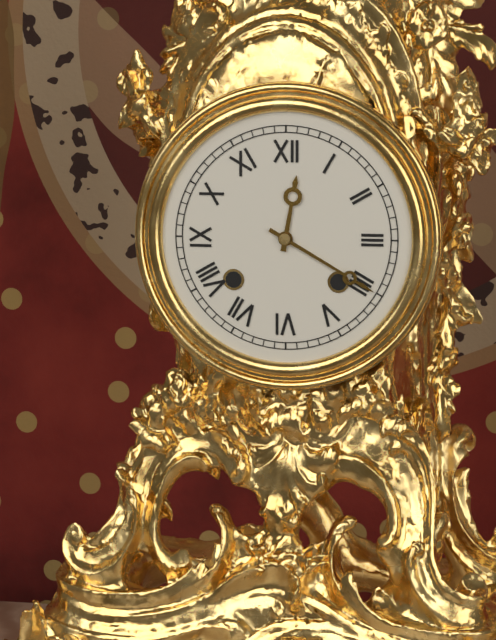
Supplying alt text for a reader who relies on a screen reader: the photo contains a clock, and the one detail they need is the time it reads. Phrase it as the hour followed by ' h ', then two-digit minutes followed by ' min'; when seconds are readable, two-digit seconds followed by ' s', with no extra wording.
12 h 20 min
